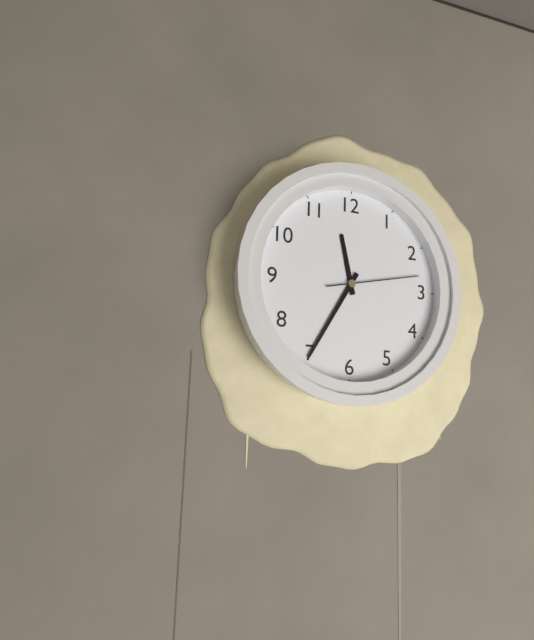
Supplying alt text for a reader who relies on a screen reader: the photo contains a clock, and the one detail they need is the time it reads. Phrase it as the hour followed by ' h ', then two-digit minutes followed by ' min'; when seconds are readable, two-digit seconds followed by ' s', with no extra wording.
11 h 35 min 13 s
